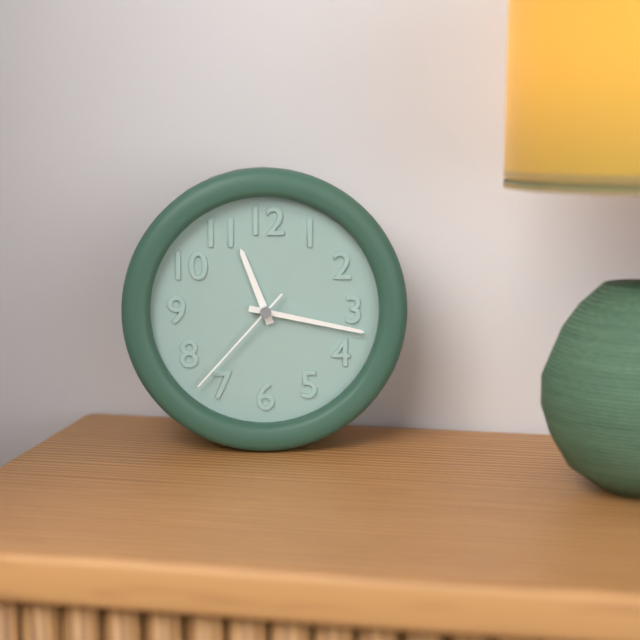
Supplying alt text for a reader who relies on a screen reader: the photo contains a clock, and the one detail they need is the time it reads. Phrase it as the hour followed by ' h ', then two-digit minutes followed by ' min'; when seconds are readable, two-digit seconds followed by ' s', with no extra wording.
11 h 17 min 37 s
